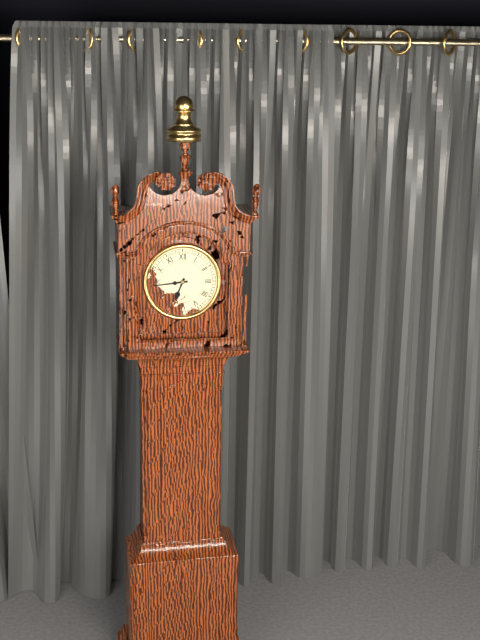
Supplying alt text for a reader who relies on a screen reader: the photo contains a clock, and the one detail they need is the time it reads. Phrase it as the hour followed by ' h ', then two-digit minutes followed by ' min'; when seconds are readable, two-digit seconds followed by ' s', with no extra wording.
6 h 44 min
